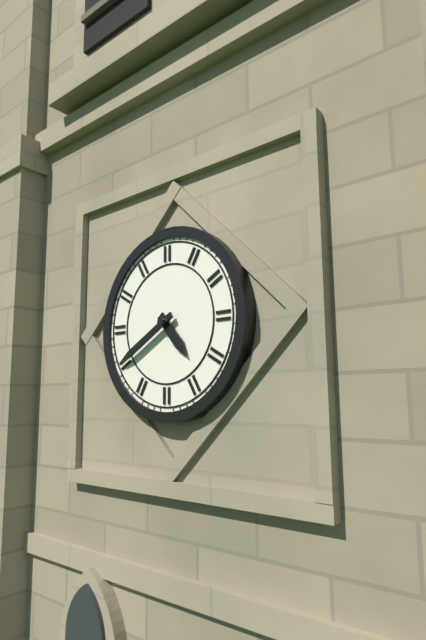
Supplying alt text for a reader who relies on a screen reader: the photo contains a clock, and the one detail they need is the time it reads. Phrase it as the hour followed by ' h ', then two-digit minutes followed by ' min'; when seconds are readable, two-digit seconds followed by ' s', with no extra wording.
4 h 40 min
